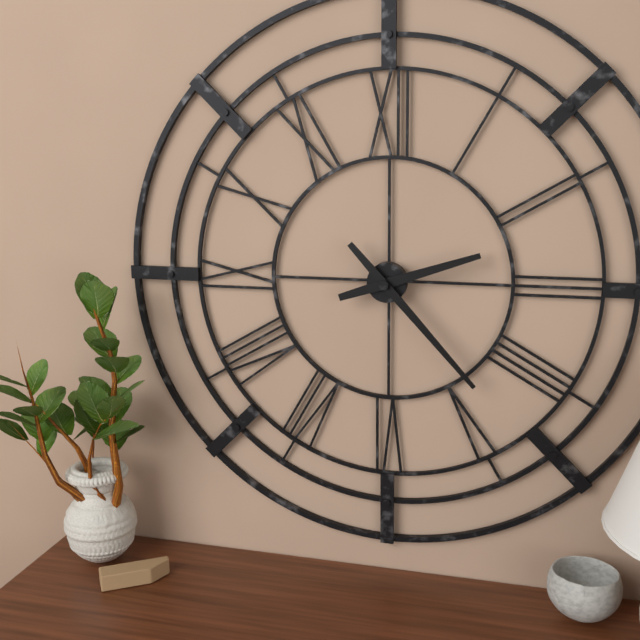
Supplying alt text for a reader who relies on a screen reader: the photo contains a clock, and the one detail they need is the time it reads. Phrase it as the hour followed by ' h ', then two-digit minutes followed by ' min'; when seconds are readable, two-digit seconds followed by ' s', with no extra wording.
2 h 23 min
